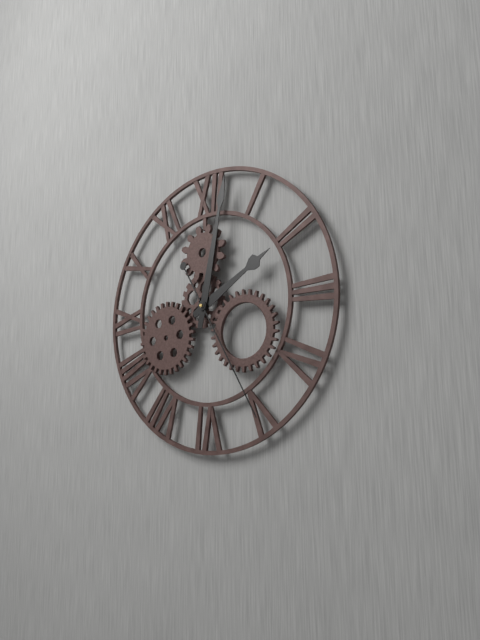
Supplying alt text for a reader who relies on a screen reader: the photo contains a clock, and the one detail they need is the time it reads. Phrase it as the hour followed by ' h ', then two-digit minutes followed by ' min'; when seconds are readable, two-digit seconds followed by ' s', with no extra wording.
2 h 02 min 25 s
